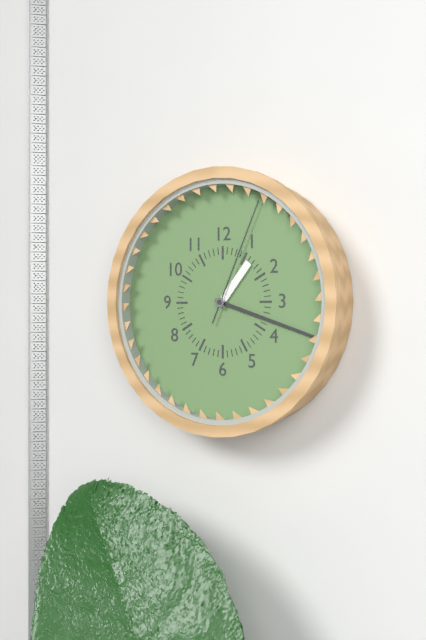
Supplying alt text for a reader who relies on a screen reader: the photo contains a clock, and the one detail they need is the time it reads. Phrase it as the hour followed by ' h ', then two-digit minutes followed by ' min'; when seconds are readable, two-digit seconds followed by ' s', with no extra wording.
1 h 18 min 04 s
